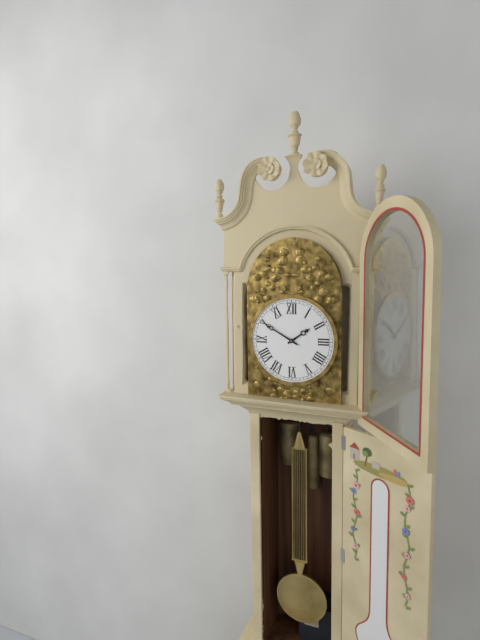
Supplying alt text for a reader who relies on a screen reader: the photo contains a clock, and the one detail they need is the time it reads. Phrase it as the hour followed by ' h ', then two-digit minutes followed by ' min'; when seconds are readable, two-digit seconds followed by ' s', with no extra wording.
1 h 50 min
